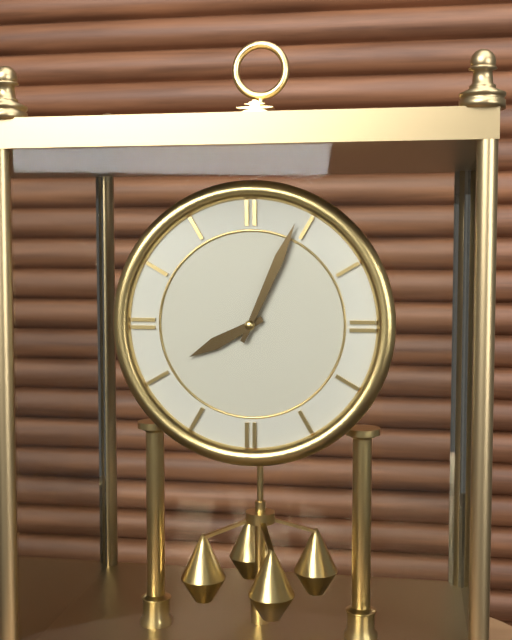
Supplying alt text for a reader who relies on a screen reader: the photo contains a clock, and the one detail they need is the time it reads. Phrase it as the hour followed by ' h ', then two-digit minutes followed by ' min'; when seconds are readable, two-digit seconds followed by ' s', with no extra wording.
8 h 04 min
